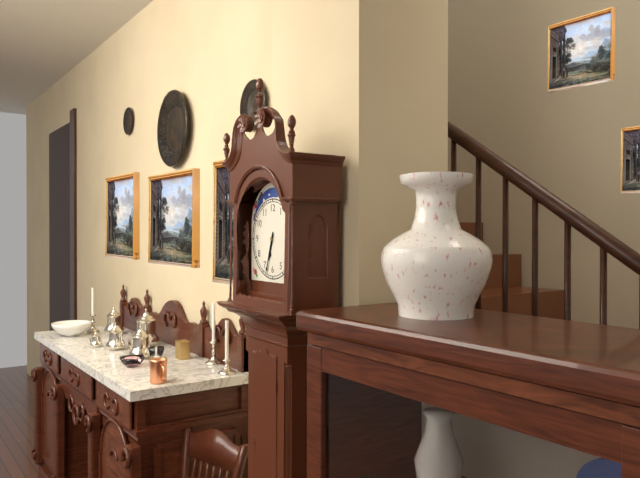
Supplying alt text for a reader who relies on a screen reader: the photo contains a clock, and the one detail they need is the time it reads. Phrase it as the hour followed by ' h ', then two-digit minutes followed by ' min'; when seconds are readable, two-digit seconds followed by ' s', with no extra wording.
6 h 33 min
